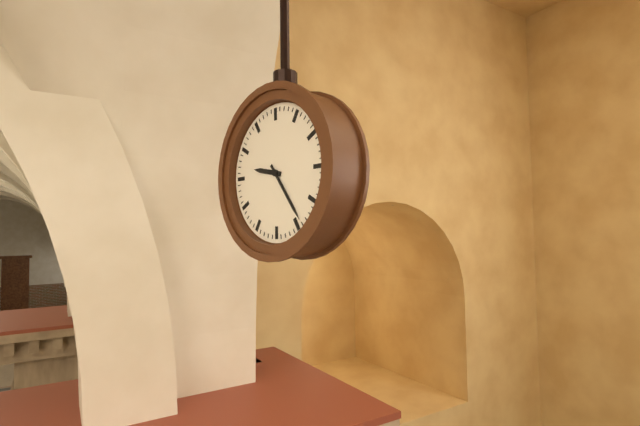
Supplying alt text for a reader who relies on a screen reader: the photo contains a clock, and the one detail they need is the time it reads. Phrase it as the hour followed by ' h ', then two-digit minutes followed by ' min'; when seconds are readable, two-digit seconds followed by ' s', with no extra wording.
9 h 24 min
